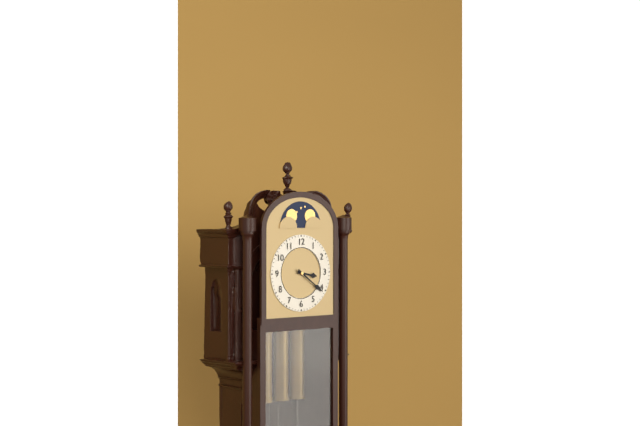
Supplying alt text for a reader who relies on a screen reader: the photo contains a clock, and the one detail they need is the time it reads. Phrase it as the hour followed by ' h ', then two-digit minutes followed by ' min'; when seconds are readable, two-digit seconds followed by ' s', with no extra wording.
3 h 21 min
